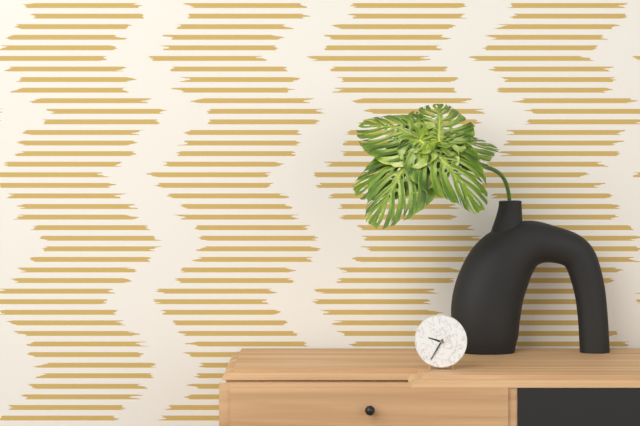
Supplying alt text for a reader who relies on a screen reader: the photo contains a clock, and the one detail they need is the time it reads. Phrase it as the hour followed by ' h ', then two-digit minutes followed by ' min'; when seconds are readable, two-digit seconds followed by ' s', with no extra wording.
9 h 35 min
